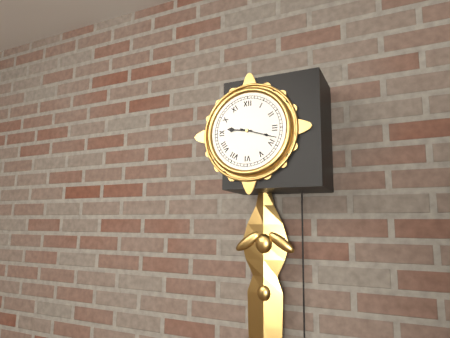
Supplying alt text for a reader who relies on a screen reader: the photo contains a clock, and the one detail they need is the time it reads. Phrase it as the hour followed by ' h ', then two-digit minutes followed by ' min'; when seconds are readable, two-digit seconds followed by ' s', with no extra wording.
9 h 18 min
